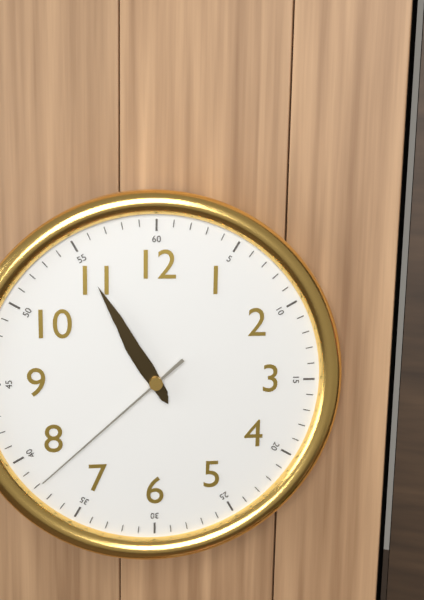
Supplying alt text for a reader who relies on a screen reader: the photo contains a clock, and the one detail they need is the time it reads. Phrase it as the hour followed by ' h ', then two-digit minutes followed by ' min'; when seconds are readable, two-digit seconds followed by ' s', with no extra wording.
10 h 55 min 38 s
